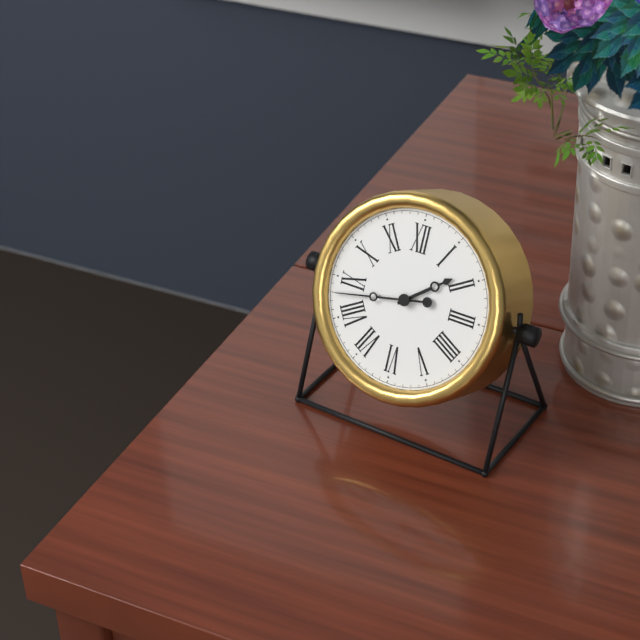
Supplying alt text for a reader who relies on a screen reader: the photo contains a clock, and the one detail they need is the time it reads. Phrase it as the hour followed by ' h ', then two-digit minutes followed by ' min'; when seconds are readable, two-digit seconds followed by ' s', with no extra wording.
1 h 43 min
